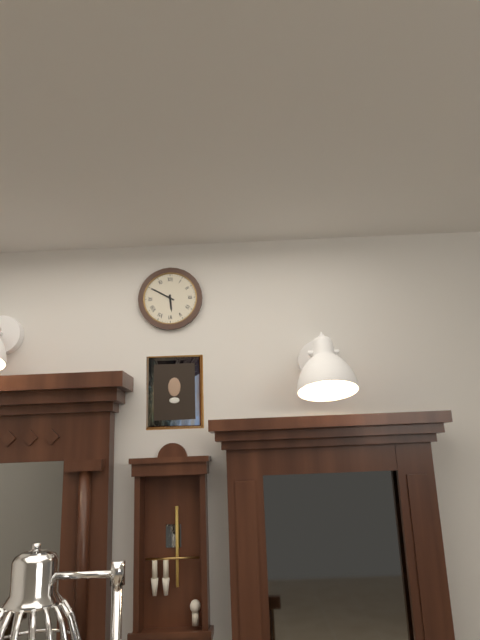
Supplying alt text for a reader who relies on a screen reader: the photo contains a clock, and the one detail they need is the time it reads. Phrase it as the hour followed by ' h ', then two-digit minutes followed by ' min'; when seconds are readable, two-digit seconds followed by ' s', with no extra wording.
5 h 50 min
